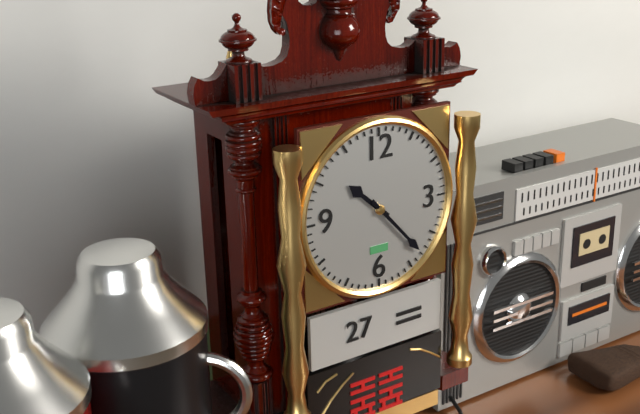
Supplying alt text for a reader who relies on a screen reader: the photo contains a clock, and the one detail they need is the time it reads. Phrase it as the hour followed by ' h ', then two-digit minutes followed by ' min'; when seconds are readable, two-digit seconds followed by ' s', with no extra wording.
10 h 23 min
